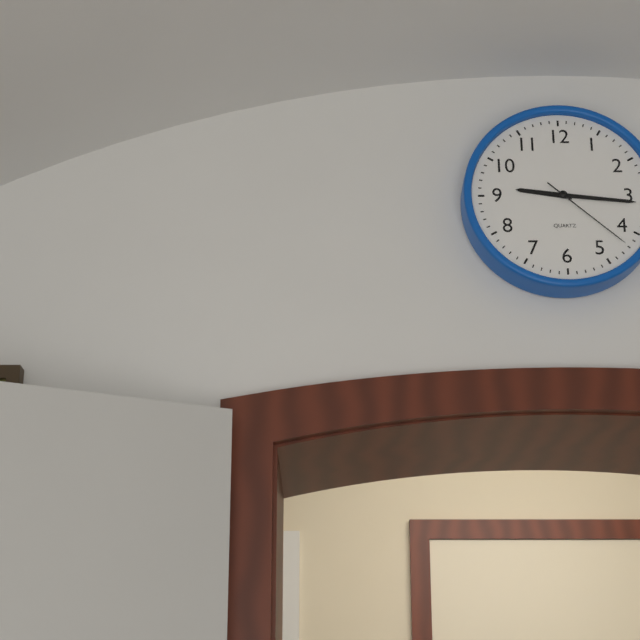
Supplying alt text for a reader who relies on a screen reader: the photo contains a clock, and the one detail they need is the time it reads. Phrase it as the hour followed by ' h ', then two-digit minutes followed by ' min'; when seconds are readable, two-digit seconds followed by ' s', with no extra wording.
9 h 16 min 22 s
